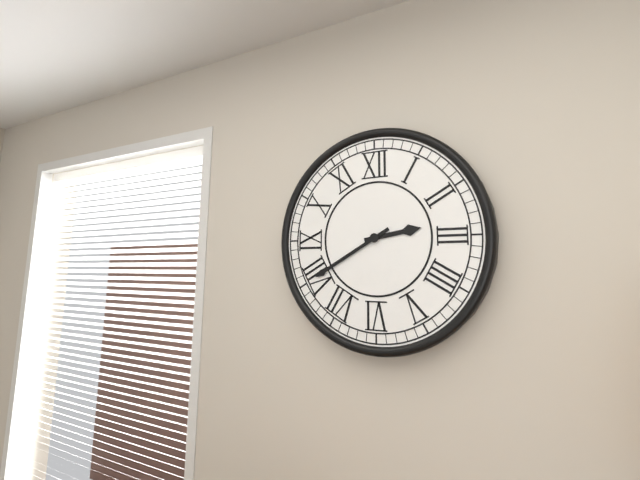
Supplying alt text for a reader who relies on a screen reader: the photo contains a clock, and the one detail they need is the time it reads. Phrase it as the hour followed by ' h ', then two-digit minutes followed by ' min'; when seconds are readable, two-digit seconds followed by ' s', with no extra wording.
2 h 40 min
